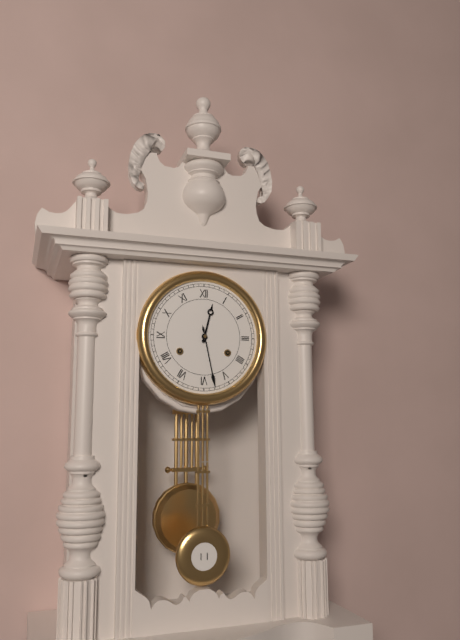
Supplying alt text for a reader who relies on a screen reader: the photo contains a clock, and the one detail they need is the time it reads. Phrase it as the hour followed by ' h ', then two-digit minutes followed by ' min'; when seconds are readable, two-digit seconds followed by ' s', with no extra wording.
12 h 28 min
